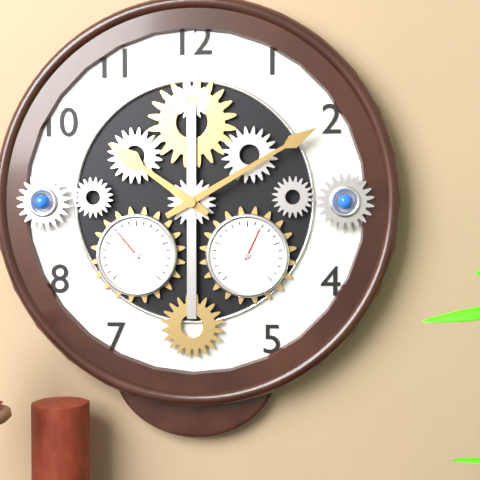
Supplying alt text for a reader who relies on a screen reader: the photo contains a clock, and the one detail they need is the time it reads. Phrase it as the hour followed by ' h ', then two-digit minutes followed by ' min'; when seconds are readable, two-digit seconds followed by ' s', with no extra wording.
10 h 10 min
